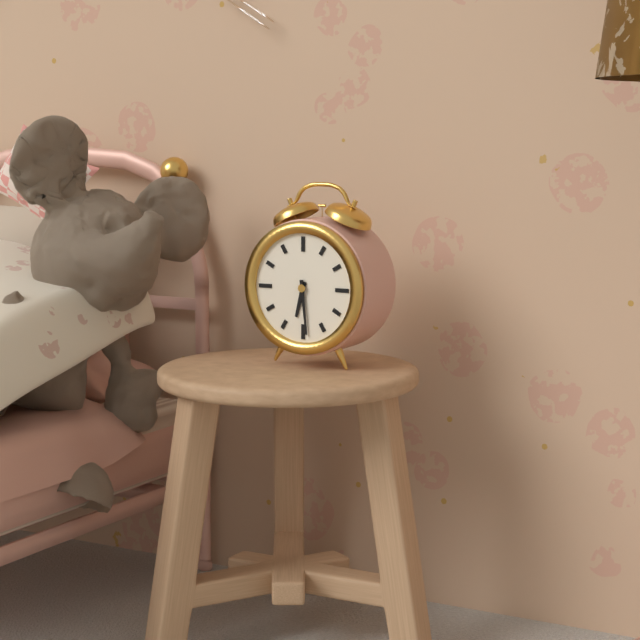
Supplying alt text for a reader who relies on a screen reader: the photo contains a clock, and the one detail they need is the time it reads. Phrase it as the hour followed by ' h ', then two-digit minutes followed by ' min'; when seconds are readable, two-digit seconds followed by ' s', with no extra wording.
6 h 29 min
